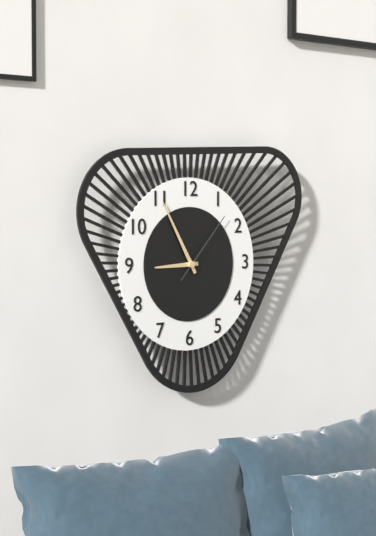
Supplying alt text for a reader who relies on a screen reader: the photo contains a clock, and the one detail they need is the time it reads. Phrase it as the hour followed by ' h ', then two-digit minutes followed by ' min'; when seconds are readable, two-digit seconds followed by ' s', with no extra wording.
8 h 55 min 07 s
